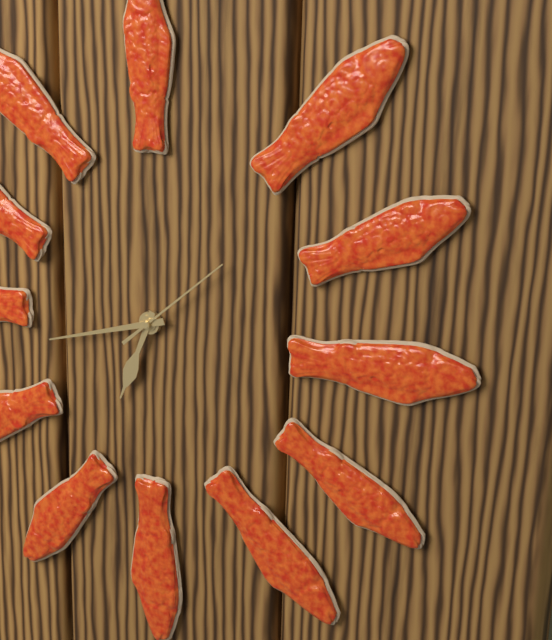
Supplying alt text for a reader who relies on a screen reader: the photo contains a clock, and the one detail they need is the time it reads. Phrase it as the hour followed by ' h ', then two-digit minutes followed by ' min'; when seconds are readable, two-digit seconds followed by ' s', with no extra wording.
6 h 42 min 08 s
